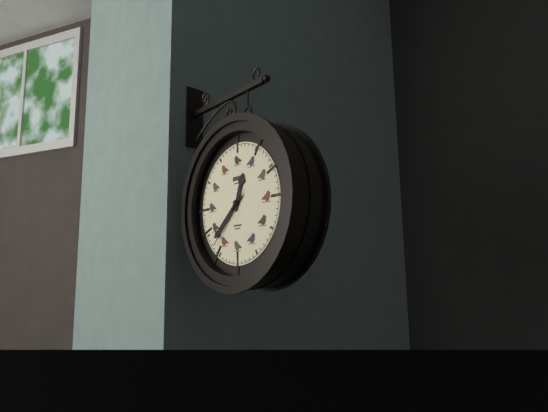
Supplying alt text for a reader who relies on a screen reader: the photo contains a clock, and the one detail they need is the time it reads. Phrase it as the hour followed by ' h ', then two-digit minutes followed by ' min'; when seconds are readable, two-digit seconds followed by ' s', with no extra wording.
12 h 38 min 37 s
